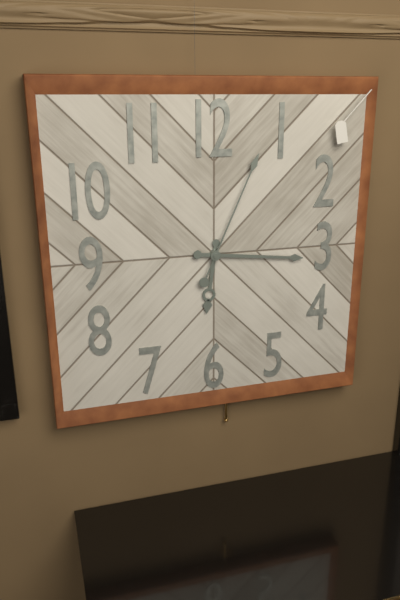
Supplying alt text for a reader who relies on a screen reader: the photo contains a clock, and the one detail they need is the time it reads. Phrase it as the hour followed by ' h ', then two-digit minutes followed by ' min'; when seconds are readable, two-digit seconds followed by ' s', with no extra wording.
6 h 16 min 04 s
